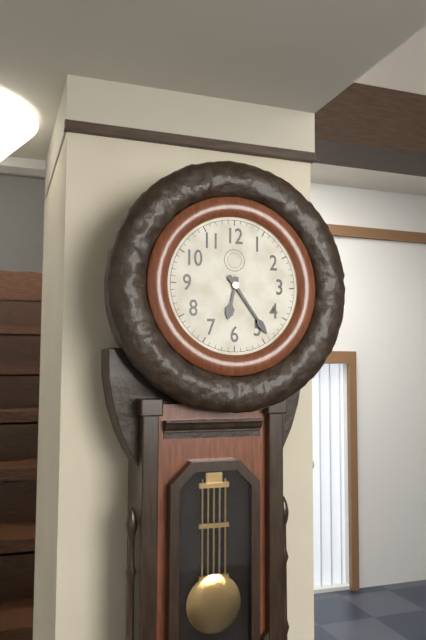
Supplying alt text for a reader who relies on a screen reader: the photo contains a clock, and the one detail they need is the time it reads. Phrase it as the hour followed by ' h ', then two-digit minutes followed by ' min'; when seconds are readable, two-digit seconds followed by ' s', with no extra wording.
6 h 24 min
